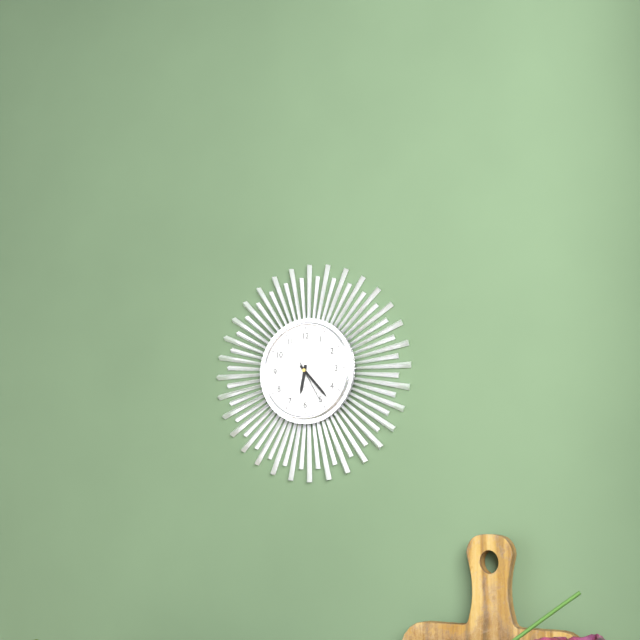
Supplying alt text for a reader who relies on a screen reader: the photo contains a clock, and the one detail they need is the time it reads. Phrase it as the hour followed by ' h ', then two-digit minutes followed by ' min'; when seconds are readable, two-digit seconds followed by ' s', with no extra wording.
6 h 23 min
